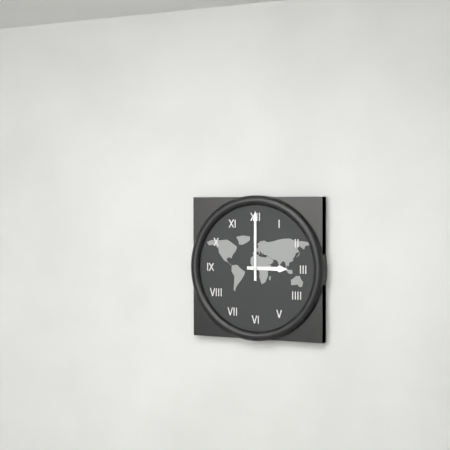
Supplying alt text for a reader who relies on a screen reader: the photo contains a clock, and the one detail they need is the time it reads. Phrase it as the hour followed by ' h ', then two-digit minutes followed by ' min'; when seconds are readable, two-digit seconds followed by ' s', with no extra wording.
3 h 00 min
